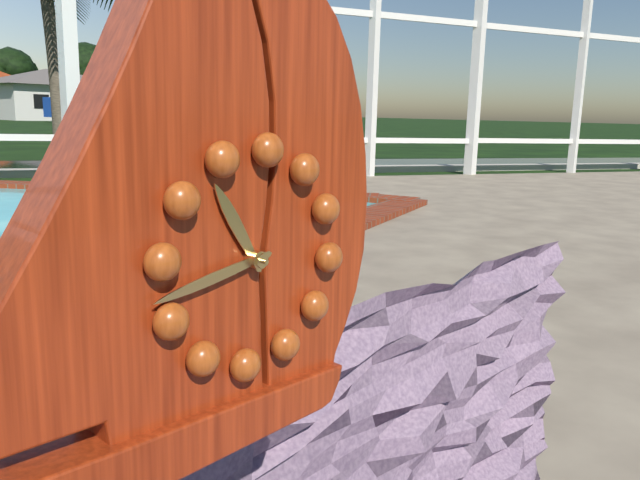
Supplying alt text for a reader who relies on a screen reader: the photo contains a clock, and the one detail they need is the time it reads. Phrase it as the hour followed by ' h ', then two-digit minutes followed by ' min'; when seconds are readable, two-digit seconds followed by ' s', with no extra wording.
10 h 42 min
